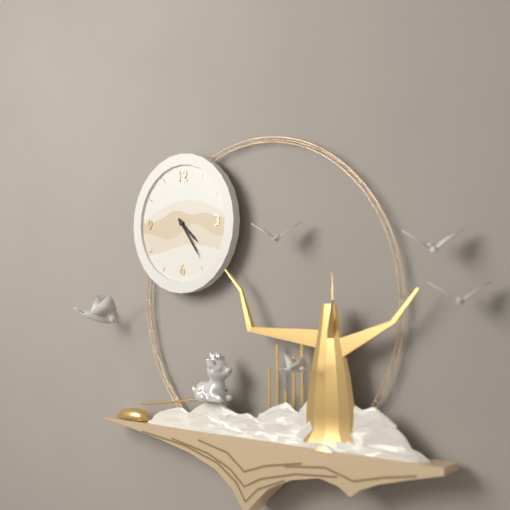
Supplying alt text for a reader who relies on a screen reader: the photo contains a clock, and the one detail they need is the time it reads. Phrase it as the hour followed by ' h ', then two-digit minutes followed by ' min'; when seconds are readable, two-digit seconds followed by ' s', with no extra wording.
4 h 24 min
